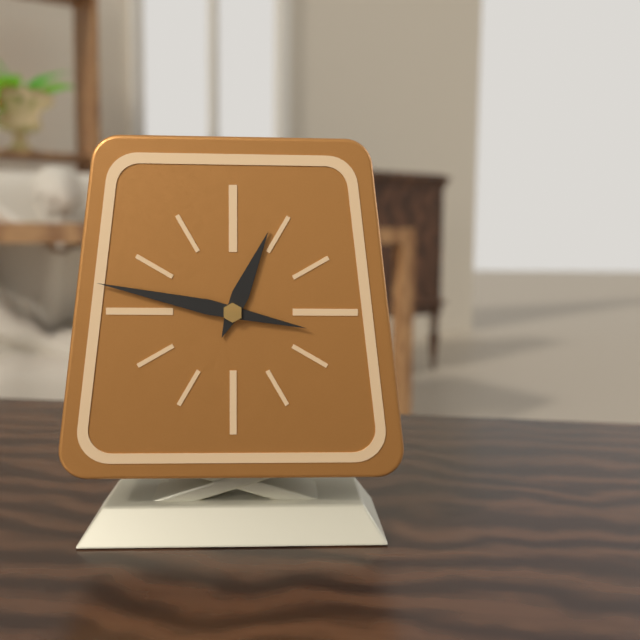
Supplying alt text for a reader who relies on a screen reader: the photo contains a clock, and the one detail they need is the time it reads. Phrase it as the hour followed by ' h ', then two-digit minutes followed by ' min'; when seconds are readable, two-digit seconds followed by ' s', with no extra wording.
12 h 47 min
